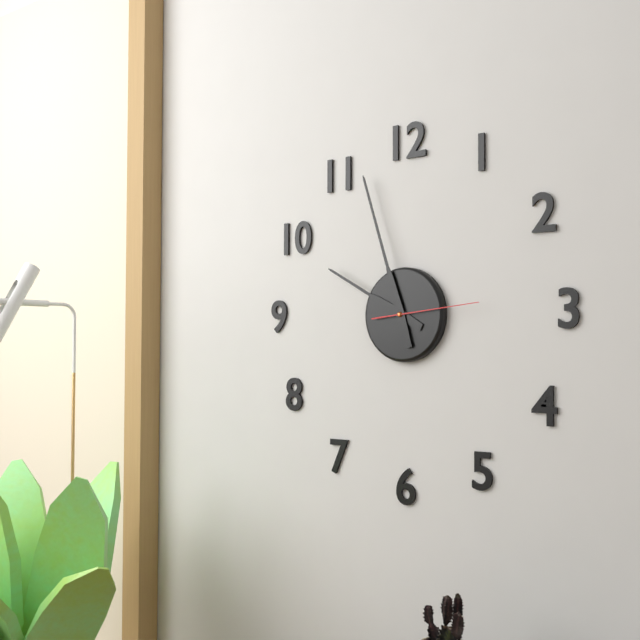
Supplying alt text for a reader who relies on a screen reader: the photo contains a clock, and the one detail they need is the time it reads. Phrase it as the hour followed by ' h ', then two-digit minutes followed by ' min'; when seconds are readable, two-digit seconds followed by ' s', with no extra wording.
9 h 57 min 14 s
